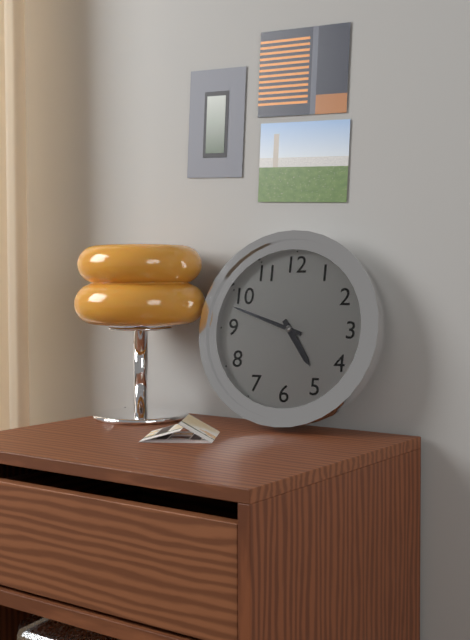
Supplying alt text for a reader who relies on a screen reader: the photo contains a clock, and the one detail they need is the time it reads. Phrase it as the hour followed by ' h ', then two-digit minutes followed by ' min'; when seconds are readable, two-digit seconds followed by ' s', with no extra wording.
4 h 48 min
